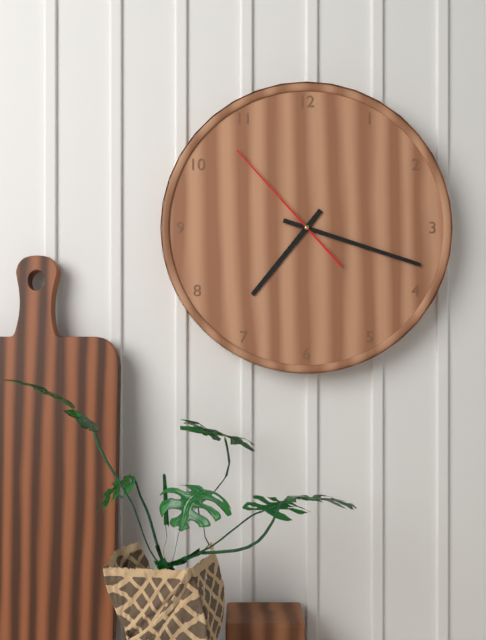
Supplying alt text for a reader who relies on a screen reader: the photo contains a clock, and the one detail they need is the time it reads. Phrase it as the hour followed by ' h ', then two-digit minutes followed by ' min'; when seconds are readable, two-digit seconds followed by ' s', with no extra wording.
7 h 18 min 53 s
